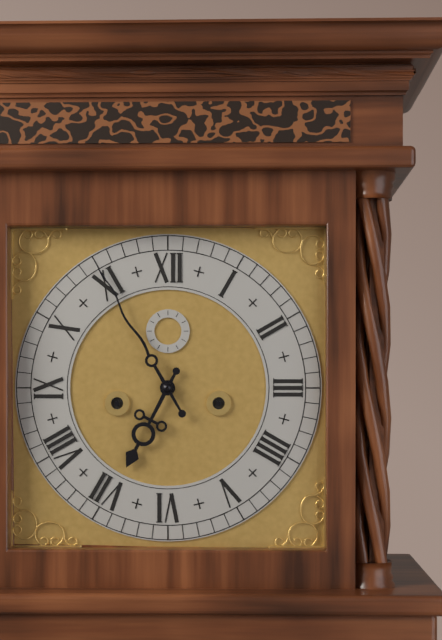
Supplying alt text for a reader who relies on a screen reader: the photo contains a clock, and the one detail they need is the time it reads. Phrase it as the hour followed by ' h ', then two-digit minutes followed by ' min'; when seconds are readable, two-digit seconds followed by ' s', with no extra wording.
6 h 55 min
